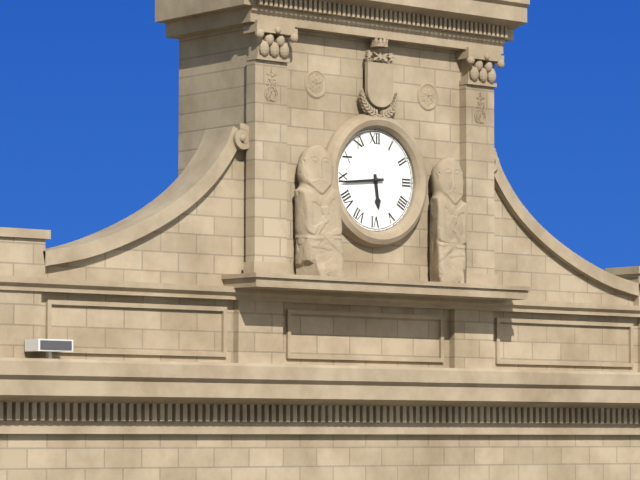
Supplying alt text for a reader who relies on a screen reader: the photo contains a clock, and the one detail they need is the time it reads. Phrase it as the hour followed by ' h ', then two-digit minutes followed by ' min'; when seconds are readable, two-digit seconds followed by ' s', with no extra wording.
5 h 44 min
